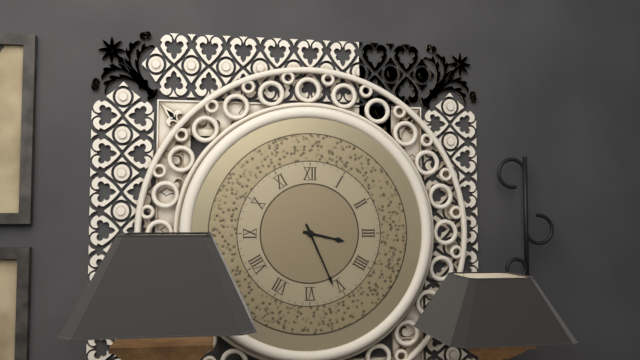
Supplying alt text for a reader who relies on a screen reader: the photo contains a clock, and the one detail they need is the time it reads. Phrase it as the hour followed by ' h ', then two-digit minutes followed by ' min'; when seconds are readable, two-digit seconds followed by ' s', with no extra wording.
3 h 26 min
